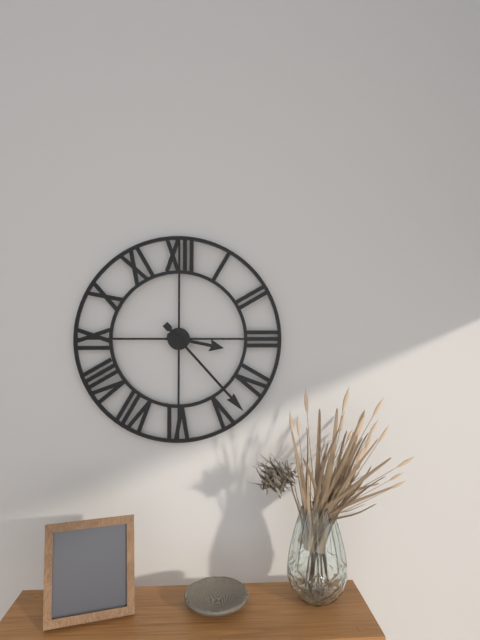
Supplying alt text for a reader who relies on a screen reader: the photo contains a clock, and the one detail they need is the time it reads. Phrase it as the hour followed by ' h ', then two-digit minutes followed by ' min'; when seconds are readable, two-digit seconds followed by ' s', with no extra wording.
3 h 23 min
